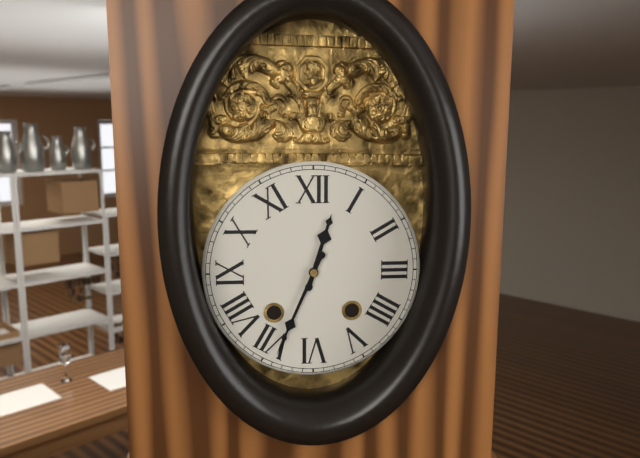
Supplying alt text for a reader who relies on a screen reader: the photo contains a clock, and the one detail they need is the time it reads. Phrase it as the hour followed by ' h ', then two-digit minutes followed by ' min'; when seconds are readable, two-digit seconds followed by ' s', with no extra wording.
12 h 34 min
